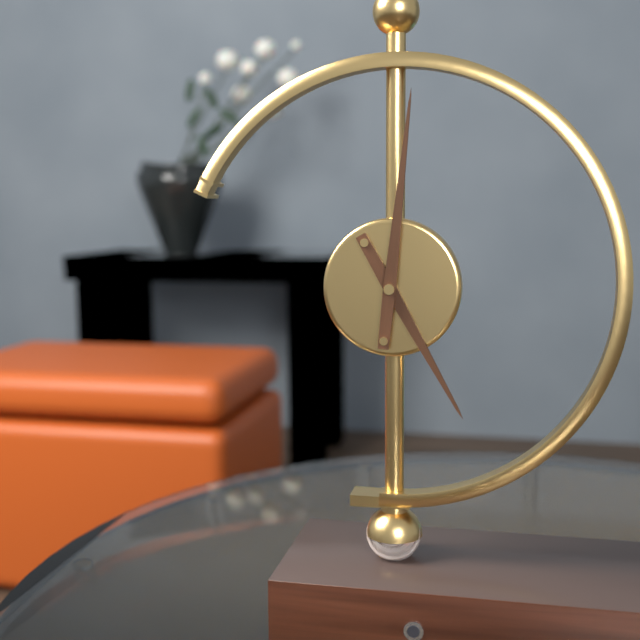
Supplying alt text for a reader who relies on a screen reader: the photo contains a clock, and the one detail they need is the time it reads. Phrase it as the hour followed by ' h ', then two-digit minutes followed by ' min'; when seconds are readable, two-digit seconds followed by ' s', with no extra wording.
5 h 01 min
